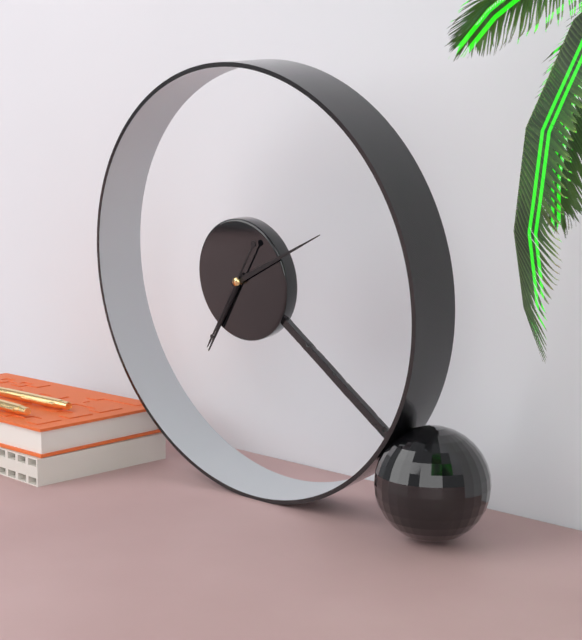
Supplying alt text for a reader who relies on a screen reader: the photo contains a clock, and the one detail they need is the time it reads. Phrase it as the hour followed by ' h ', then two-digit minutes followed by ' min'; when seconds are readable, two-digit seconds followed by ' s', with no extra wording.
7 h 11 min 36 s
